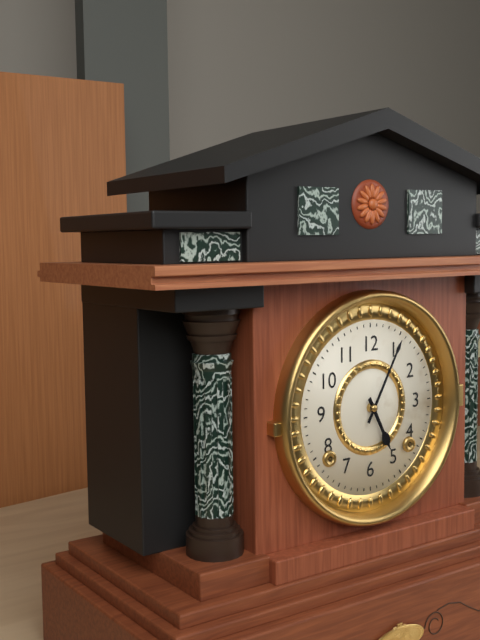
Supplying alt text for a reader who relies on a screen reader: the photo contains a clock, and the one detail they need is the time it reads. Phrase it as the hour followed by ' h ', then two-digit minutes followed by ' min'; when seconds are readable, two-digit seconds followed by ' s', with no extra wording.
5 h 05 min
